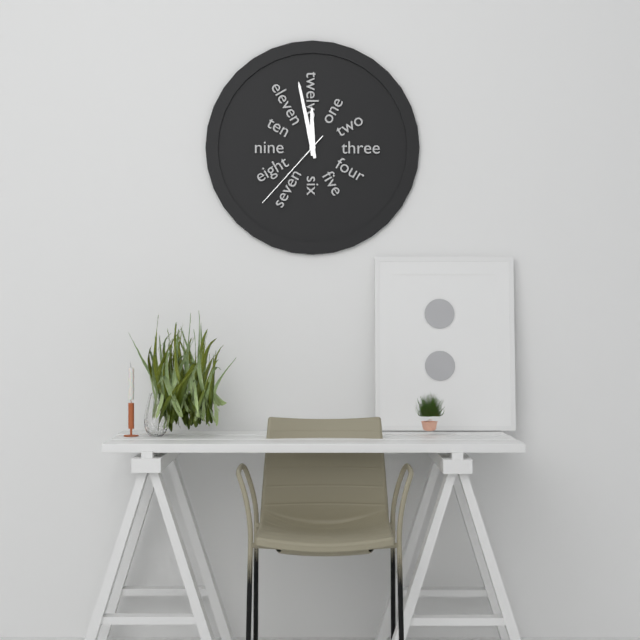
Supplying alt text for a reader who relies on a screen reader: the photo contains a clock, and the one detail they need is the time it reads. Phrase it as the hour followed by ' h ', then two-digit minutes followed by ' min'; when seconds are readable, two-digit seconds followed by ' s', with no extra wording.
11 h 58 min 37 s
